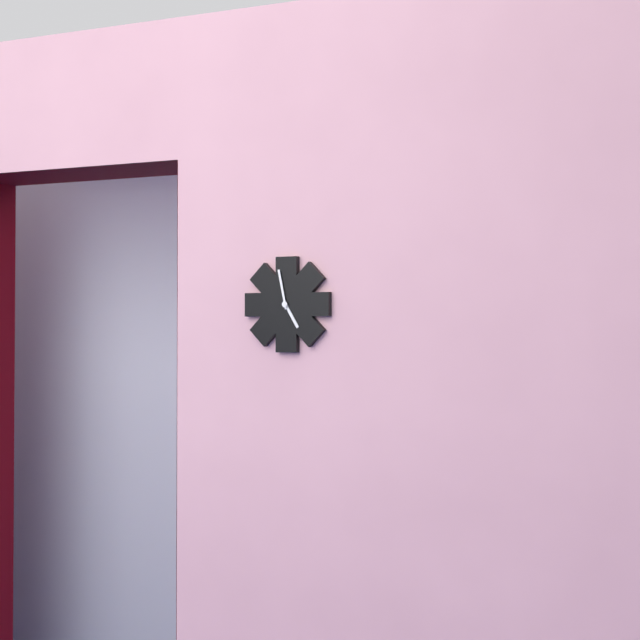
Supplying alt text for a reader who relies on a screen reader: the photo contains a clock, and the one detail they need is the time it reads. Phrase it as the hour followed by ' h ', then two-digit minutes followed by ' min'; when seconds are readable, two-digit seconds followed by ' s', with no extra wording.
4 h 58 min
